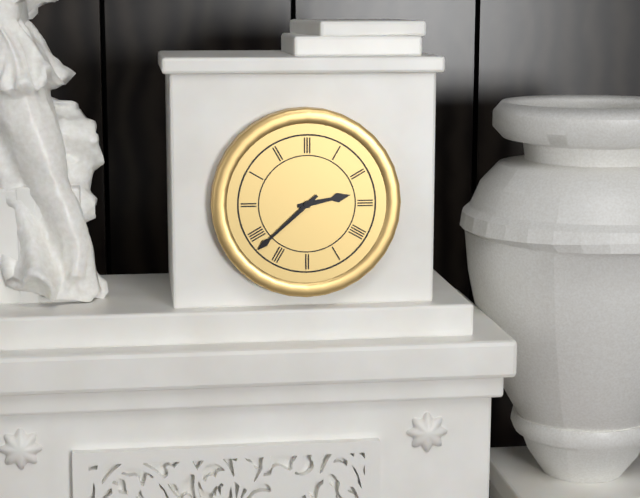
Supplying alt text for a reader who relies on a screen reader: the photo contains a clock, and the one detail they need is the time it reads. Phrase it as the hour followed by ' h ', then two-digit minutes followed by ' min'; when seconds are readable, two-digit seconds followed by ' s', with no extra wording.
2 h 38 min
